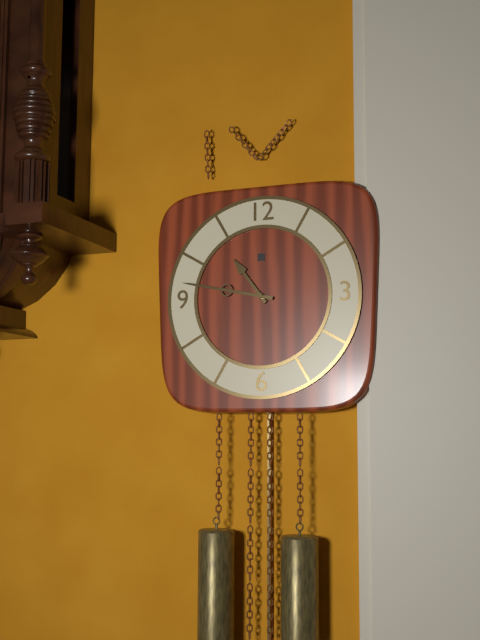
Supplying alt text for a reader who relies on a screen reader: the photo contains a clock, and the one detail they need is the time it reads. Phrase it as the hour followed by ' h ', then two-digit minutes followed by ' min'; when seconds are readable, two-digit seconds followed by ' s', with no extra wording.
10 h 47 min
